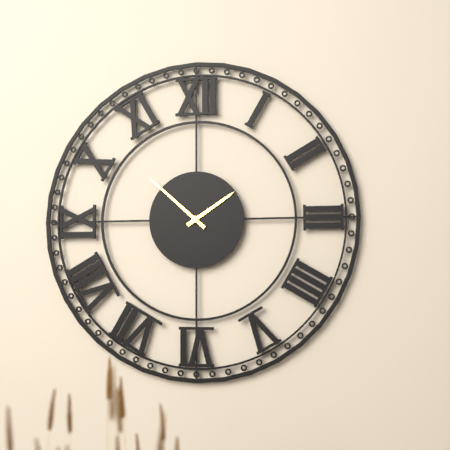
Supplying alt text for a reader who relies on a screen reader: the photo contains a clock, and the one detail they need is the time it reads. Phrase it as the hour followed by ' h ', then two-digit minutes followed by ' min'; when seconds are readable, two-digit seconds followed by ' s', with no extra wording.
1 h 52 min
